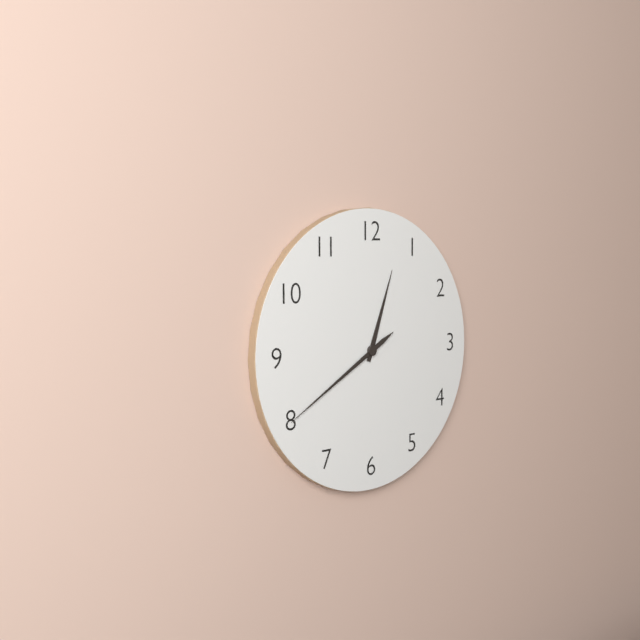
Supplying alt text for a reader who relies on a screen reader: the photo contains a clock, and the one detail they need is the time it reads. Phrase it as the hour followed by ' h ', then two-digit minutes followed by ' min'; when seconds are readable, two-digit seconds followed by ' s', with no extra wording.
12 h 40 min
